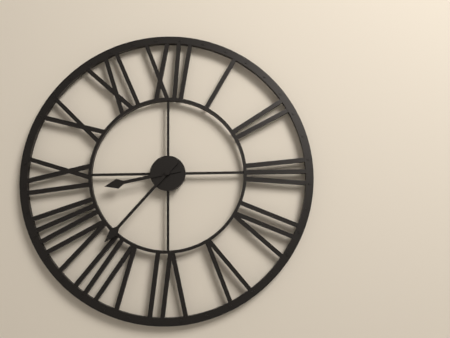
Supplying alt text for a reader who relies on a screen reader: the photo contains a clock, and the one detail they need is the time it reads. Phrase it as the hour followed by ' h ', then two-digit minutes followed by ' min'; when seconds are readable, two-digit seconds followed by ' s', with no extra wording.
8 h 37 min
